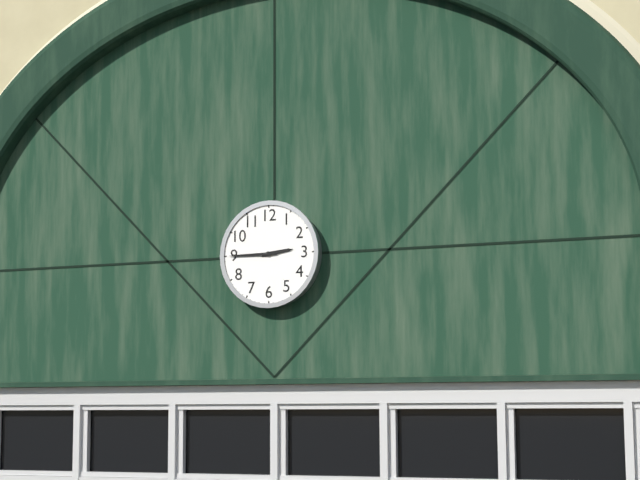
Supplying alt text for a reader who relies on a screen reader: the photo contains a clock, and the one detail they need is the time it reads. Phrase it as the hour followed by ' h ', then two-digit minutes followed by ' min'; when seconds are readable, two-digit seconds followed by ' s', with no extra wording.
2 h 45 min
